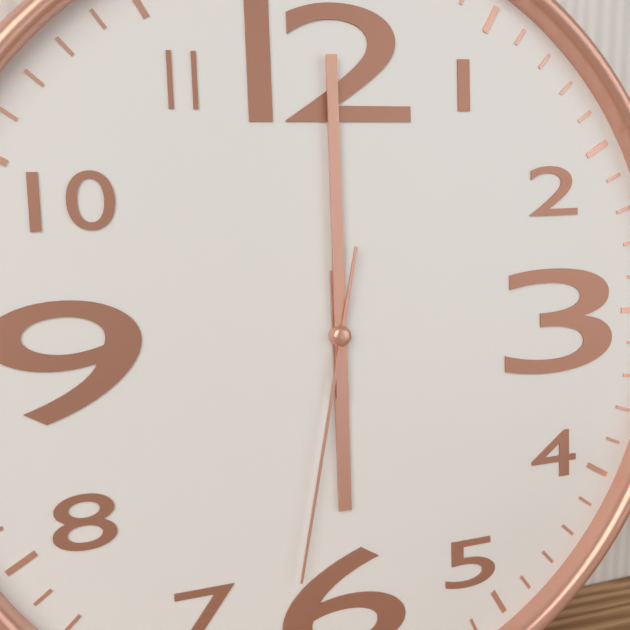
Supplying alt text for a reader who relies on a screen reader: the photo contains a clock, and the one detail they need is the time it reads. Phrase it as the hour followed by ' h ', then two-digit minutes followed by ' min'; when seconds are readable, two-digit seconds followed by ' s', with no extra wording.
6 h 00 min 32 s
